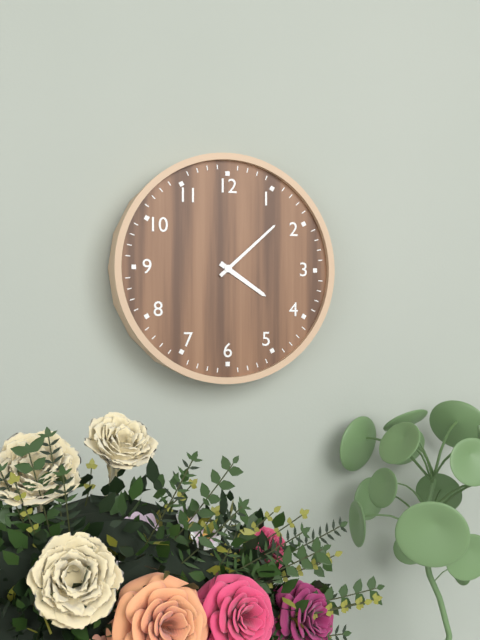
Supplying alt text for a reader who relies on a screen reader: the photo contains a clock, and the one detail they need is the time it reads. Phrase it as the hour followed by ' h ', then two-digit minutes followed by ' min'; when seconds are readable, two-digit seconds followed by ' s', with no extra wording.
4 h 08 min
